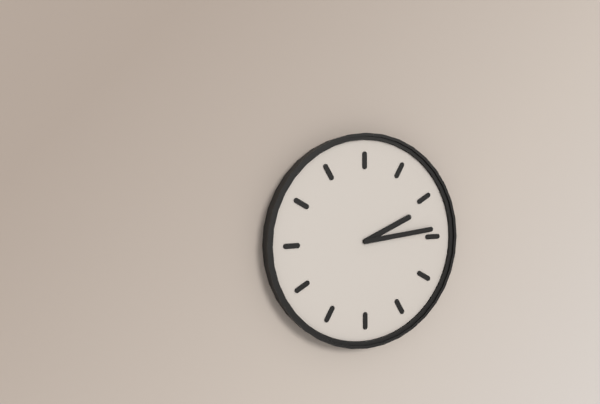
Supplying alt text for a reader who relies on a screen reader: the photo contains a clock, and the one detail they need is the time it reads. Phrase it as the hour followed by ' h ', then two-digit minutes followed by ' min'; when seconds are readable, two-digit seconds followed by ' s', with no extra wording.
2 h 14 min
